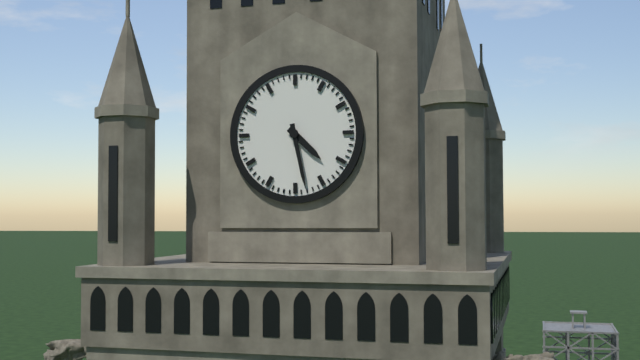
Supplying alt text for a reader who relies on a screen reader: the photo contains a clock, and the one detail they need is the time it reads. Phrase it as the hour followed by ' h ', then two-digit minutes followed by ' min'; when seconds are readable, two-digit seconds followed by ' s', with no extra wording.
4 h 28 min
